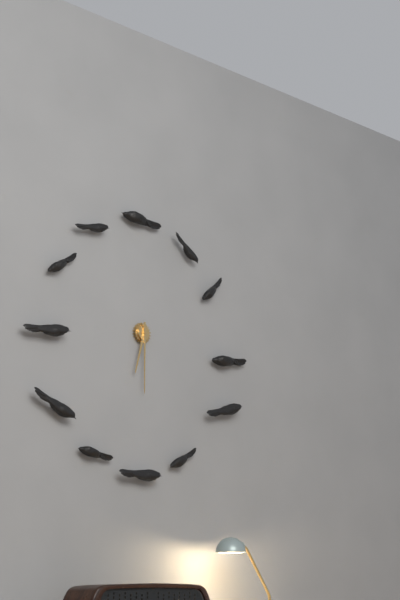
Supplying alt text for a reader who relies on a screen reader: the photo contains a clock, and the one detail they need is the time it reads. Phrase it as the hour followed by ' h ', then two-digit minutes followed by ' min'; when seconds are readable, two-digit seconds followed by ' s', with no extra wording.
6 h 30 min
